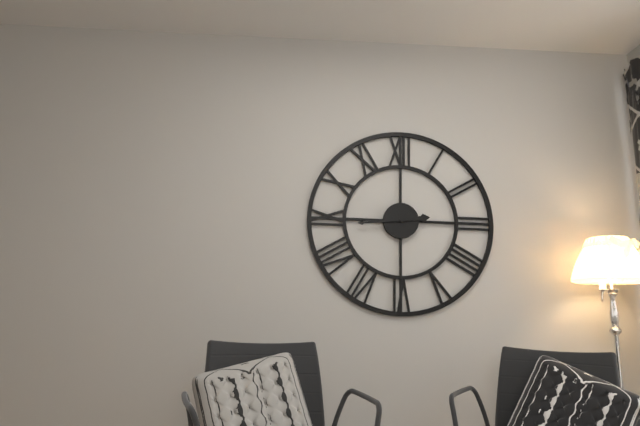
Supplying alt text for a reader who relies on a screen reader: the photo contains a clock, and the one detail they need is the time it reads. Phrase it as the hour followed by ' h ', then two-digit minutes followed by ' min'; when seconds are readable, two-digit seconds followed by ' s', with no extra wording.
2 h 44 min
